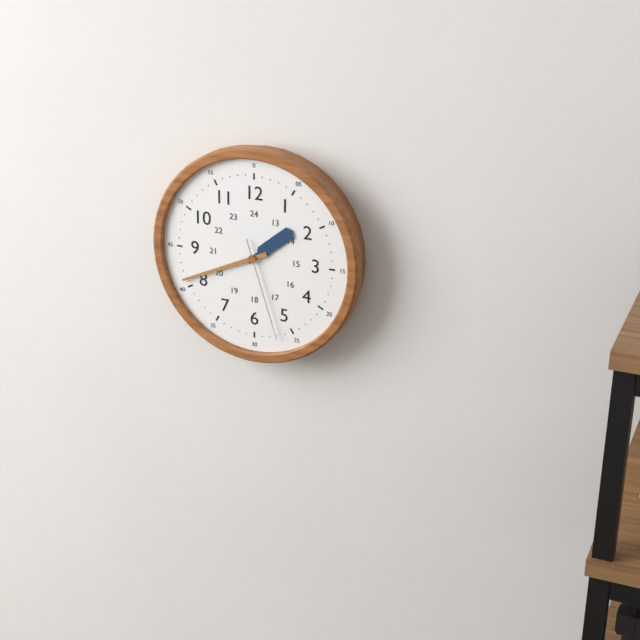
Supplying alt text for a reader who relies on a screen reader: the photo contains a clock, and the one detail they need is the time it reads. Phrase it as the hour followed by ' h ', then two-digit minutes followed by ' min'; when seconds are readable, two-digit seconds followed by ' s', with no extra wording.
1 h 41 min 27 s
